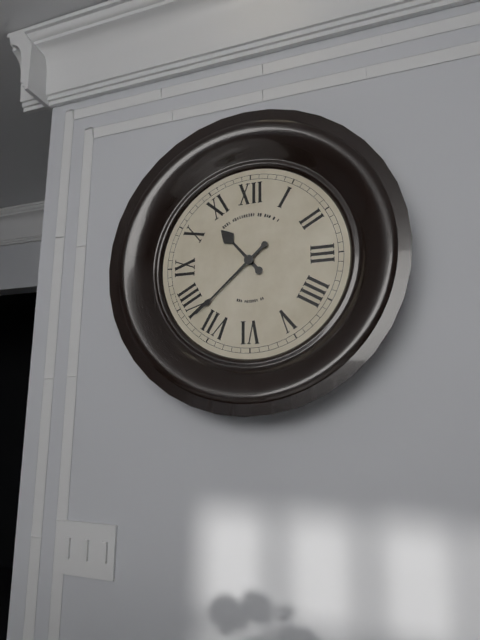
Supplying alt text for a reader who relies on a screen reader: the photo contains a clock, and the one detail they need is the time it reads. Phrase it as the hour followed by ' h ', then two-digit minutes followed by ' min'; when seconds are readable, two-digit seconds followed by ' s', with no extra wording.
10 h 38 min
